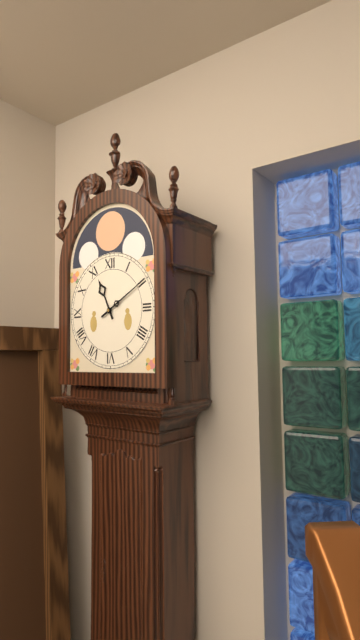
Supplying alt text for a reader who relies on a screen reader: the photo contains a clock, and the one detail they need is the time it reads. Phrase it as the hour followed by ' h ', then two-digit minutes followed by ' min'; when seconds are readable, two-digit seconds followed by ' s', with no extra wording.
11 h 10 min
